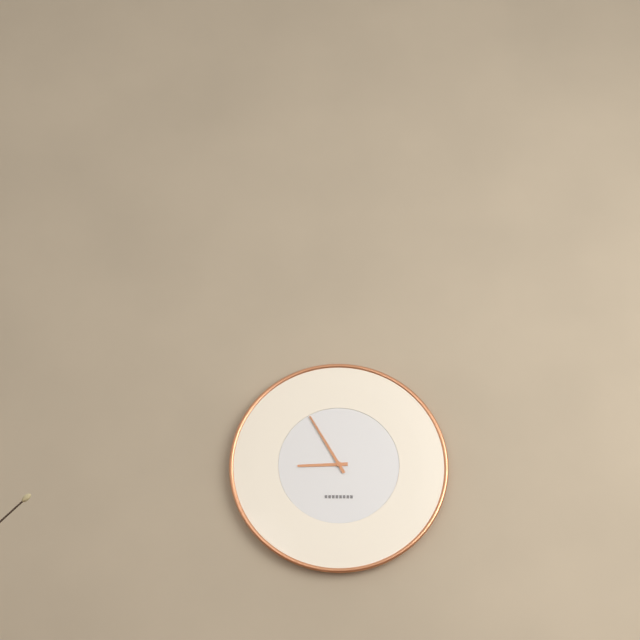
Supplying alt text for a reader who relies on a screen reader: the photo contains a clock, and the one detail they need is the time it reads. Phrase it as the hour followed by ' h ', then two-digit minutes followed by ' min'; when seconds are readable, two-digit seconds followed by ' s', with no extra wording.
8 h 55 min
